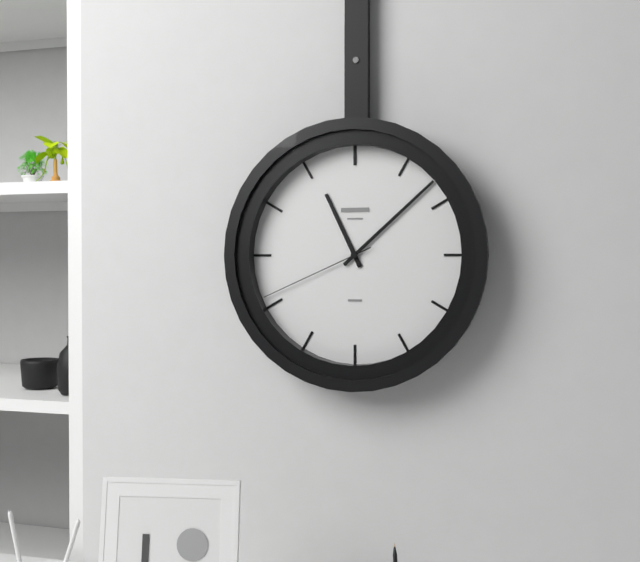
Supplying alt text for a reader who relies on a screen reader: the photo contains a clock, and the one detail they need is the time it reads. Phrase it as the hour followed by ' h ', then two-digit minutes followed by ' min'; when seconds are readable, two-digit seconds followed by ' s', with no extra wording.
11 h 08 min 41 s
